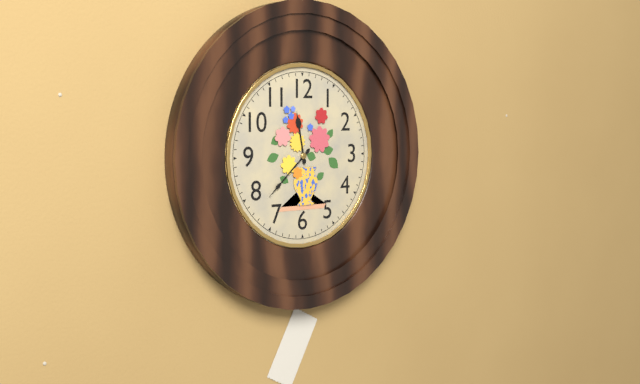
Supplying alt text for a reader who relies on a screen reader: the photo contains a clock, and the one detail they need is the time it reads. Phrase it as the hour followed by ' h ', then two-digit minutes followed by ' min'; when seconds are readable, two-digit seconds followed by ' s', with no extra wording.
11 h 38 min
